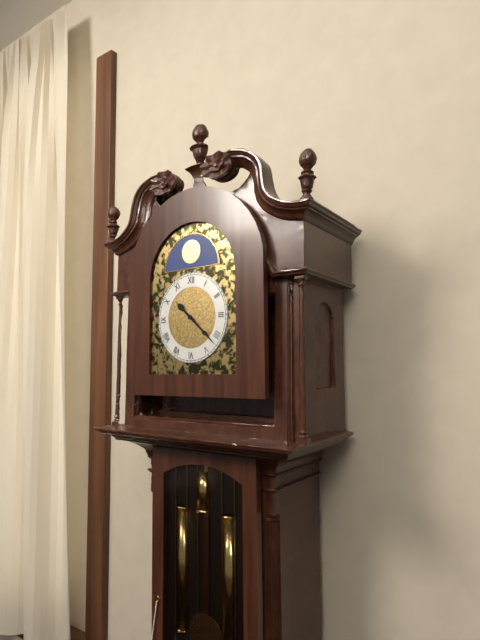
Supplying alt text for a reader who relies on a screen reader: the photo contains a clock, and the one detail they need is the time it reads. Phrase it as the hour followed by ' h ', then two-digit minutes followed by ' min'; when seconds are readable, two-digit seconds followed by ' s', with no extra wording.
10 h 22 min
